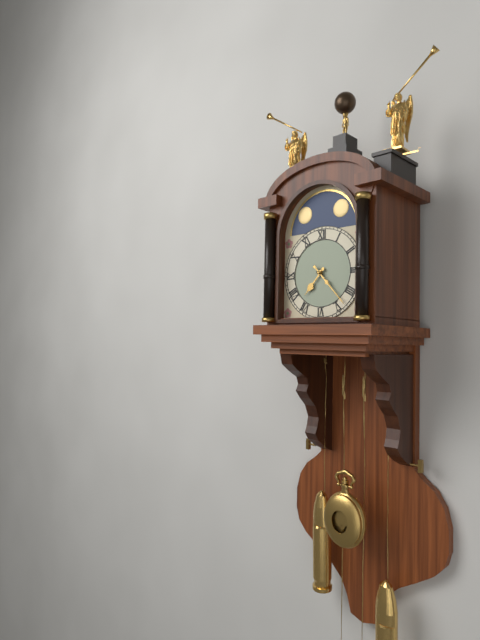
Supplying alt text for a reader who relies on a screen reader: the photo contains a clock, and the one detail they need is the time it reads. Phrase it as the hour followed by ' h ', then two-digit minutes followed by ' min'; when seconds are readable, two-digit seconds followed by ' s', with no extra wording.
7 h 23 min
